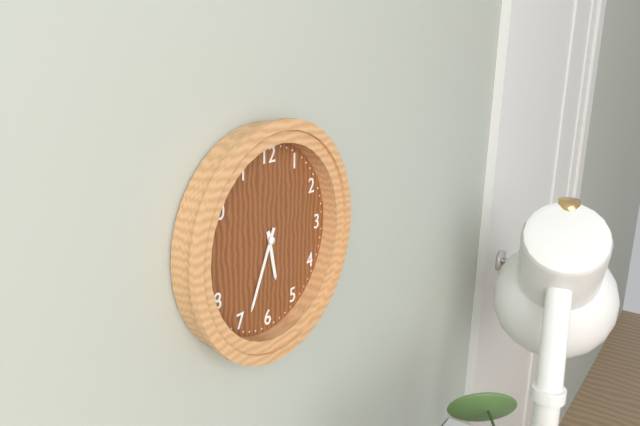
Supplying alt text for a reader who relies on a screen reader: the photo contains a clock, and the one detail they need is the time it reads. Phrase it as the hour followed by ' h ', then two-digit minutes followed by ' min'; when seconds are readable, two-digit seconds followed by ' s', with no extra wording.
5 h 34 min
